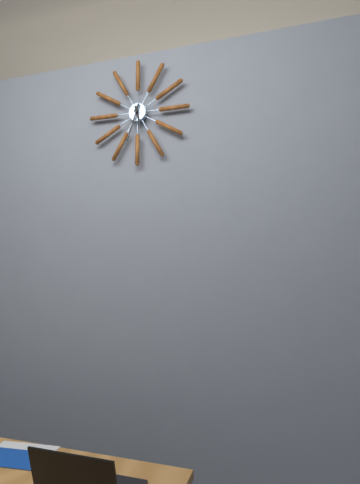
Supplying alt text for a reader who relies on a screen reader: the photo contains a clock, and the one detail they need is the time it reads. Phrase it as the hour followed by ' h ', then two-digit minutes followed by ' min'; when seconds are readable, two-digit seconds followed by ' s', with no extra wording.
5 h 33 min
